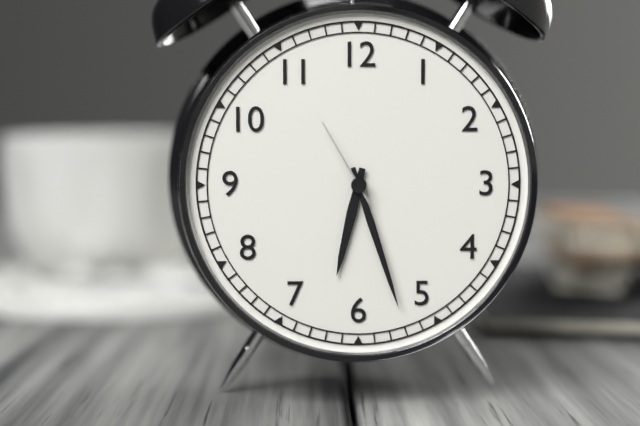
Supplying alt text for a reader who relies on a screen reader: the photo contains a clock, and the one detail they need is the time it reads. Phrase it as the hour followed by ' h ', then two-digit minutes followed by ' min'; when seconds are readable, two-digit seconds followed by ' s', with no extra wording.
6 h 27 min 55 s
